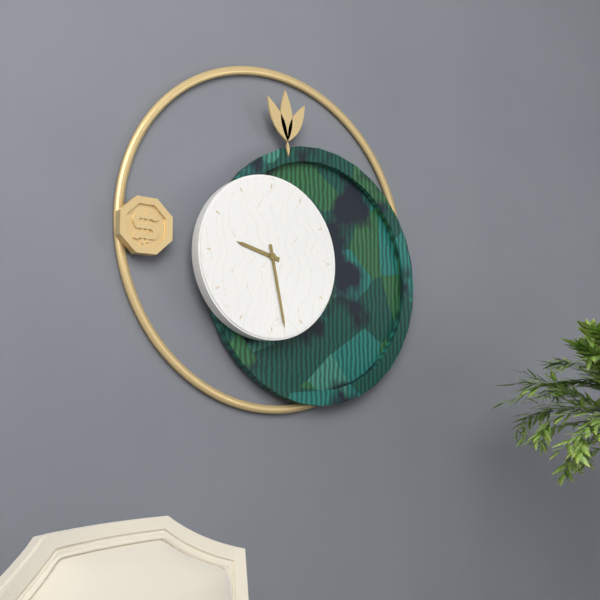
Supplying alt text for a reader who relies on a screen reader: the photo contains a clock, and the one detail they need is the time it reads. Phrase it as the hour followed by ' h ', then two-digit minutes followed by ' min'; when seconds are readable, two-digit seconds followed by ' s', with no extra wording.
9 h 28 min
